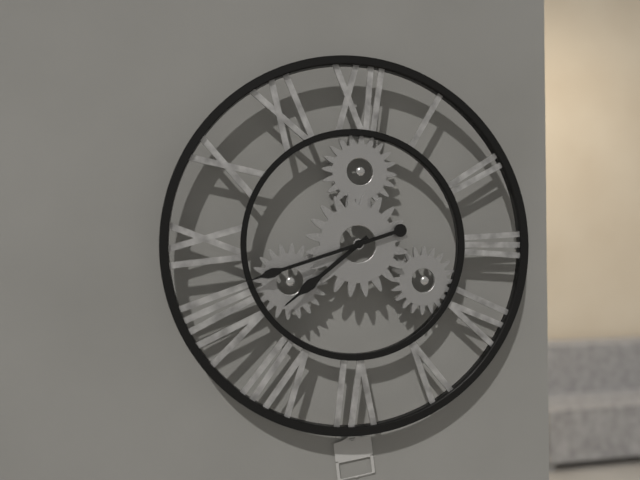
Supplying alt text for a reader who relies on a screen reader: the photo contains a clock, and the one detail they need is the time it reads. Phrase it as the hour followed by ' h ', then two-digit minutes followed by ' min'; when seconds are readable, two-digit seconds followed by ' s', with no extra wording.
7 h 42 min
